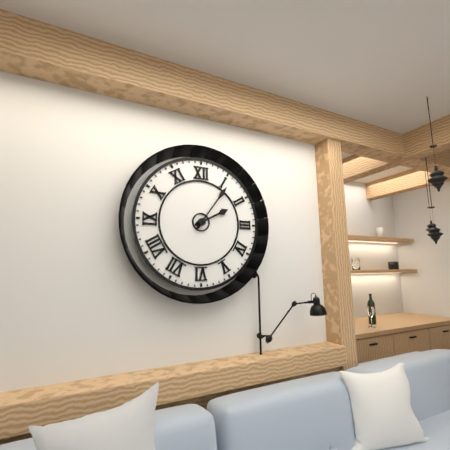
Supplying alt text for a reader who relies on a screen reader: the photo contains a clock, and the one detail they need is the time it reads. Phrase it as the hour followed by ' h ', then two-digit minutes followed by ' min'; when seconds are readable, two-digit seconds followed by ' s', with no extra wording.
2 h 06 min
